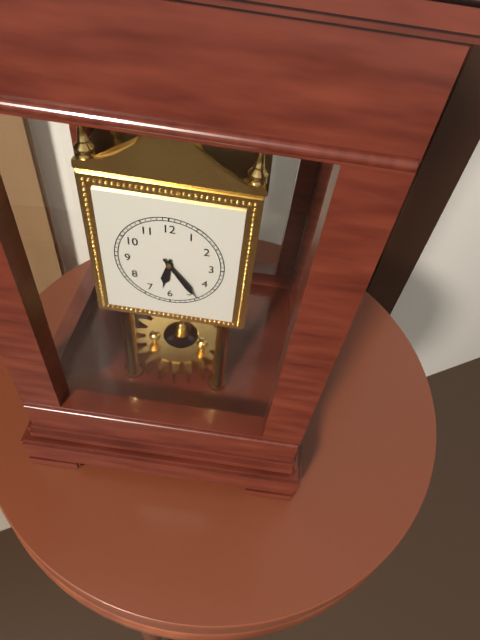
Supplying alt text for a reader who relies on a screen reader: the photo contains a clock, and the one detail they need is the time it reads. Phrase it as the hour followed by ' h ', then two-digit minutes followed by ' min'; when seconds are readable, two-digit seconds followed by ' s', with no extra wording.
6 h 24 min
